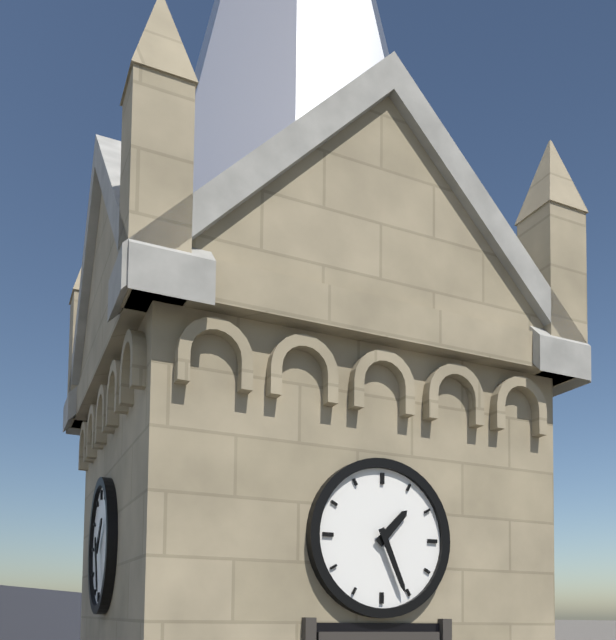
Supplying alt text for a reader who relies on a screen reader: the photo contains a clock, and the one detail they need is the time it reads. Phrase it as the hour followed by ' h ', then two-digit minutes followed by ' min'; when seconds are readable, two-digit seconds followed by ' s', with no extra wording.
1 h 26 min
